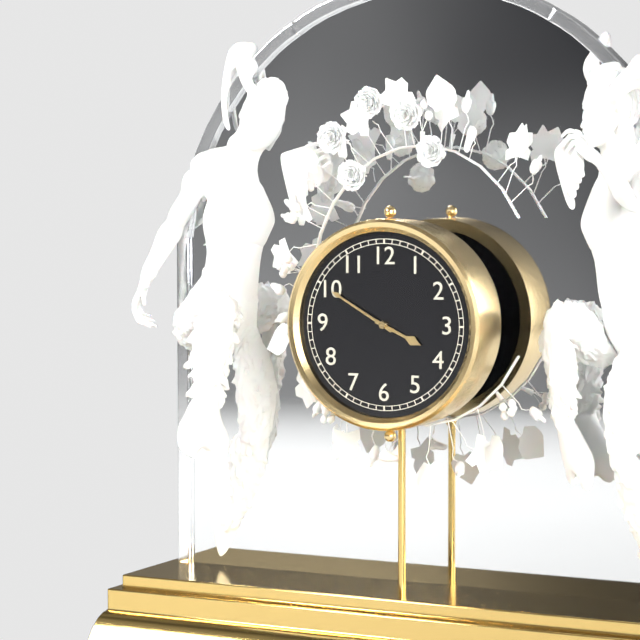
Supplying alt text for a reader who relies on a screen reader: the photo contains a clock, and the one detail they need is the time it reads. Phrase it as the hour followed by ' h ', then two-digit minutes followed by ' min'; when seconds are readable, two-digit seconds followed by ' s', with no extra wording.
3 h 50 min
